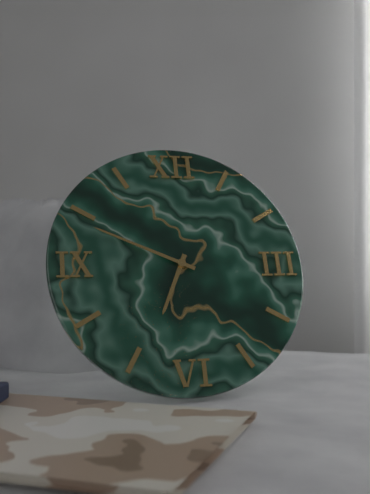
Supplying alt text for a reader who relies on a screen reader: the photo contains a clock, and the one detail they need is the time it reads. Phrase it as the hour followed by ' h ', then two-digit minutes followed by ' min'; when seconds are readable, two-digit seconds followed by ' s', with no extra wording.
6 h 49 min
